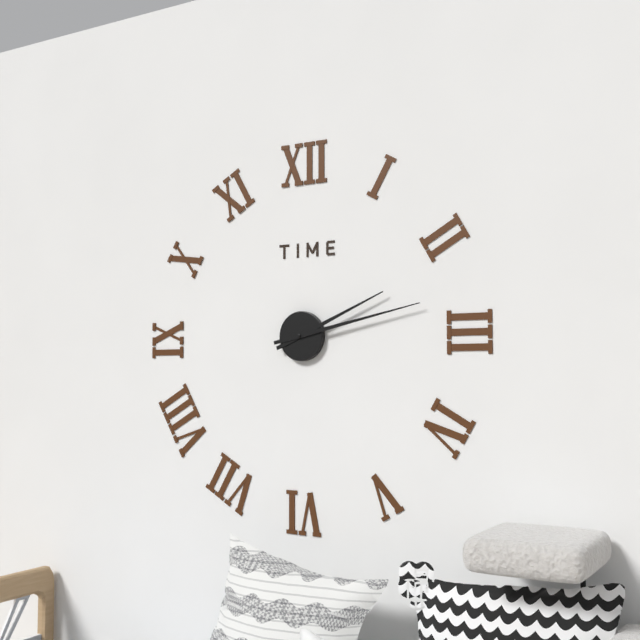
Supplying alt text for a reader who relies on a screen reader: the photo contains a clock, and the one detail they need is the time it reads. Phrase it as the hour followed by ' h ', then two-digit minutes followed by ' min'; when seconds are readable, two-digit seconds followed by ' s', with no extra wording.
2 h 13 min
